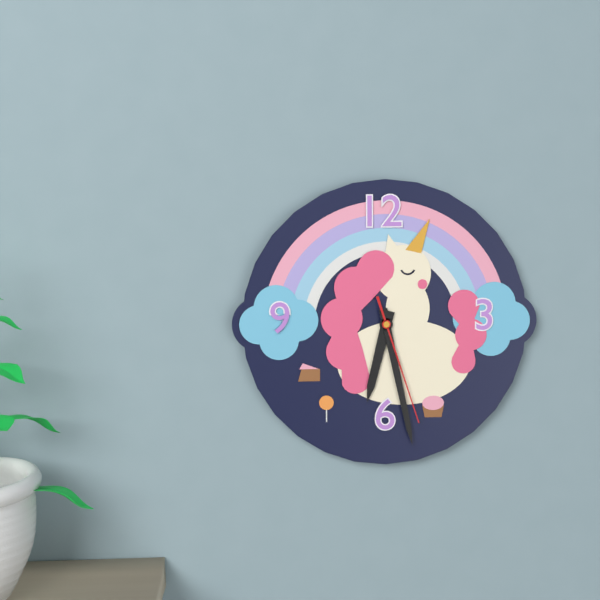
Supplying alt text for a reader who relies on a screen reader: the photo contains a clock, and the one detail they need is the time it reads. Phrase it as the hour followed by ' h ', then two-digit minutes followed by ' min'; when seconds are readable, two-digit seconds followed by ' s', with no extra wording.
6 h 28 min 27 s
